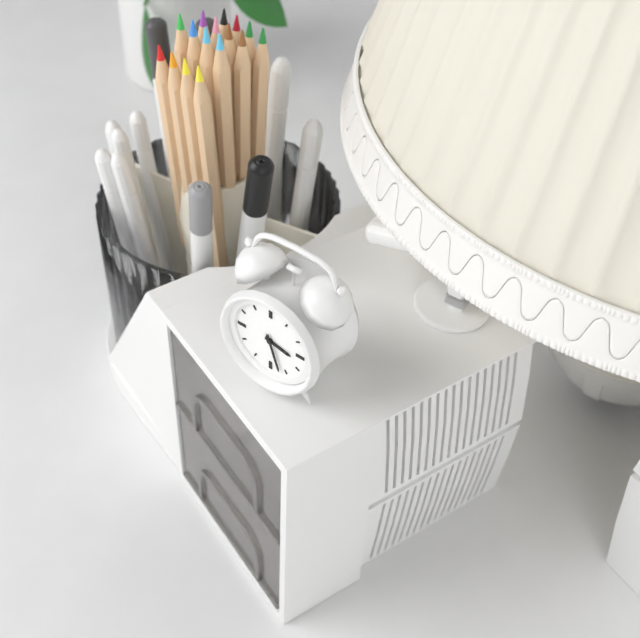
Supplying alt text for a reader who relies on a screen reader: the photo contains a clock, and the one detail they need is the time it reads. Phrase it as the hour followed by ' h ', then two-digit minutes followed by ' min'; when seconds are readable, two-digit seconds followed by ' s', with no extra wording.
3 h 27 min
